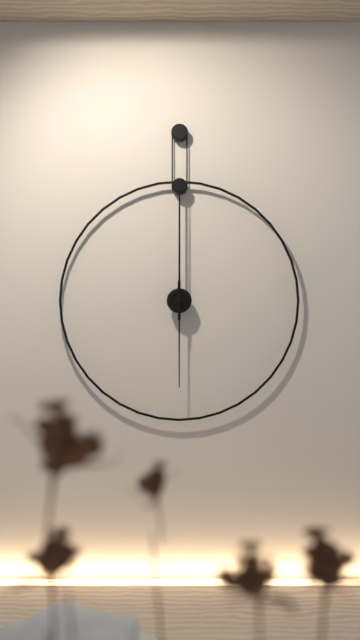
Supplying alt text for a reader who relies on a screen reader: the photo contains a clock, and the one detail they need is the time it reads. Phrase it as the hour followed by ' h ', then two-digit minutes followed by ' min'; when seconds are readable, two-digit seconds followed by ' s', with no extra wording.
6 h 00 min
